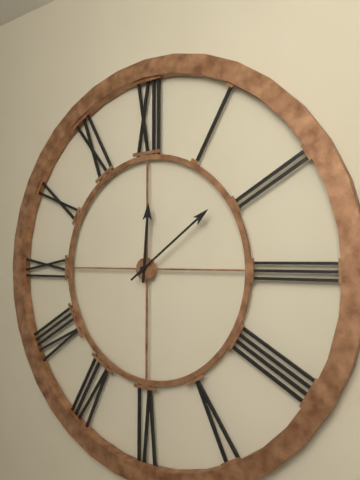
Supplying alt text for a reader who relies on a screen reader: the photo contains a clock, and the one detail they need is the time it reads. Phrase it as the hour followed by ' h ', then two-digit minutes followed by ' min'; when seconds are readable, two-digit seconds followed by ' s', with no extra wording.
12 h 09 min
